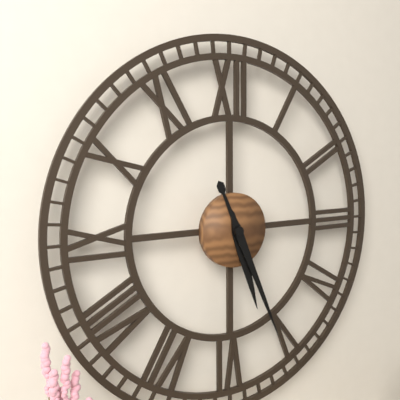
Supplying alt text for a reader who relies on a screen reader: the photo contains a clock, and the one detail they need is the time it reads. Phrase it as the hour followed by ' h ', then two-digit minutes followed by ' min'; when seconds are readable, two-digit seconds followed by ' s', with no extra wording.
5 h 26 min
